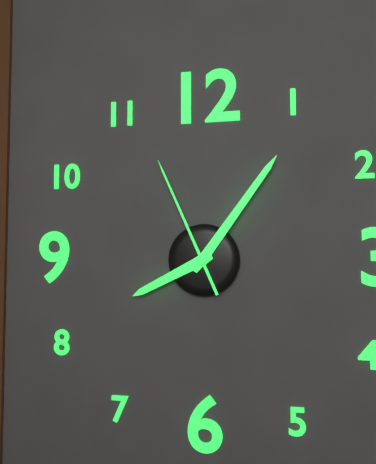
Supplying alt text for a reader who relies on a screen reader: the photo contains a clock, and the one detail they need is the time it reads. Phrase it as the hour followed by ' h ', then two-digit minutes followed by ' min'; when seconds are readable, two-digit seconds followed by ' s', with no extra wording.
8 h 06 min 56 s
